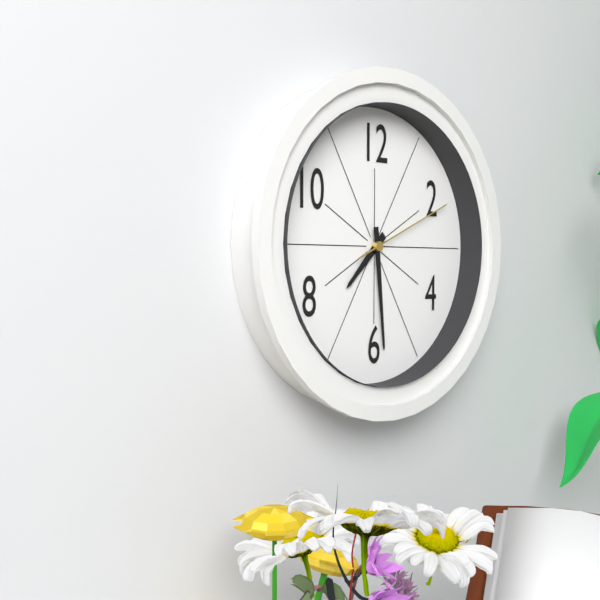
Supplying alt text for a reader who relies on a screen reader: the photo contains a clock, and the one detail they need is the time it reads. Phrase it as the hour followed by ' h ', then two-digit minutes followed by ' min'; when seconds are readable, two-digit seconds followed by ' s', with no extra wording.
7 h 29 min 11 s
